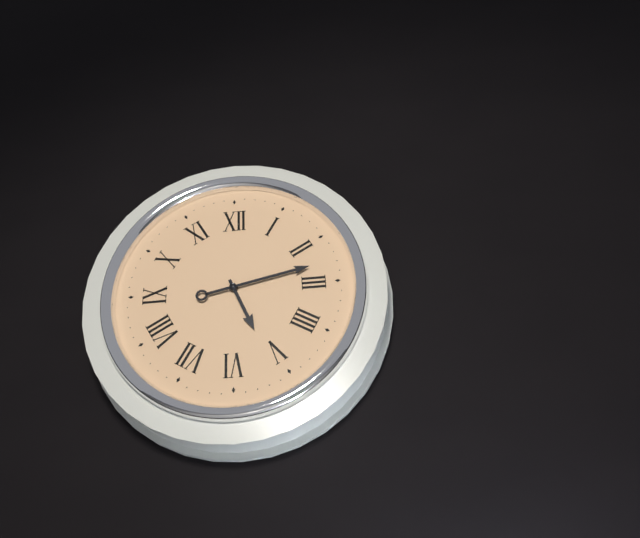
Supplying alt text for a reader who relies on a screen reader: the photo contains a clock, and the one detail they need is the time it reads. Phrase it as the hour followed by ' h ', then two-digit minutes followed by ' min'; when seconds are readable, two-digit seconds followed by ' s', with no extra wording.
5 h 13 min
